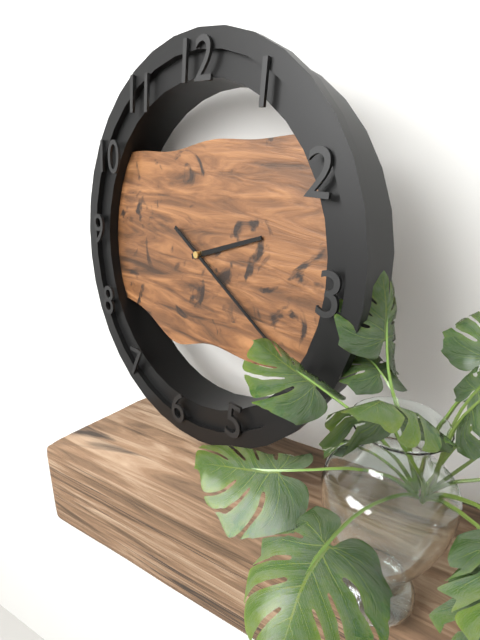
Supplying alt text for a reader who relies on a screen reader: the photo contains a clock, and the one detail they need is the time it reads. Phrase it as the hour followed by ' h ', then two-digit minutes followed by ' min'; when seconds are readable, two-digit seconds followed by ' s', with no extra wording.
2 h 20 min
